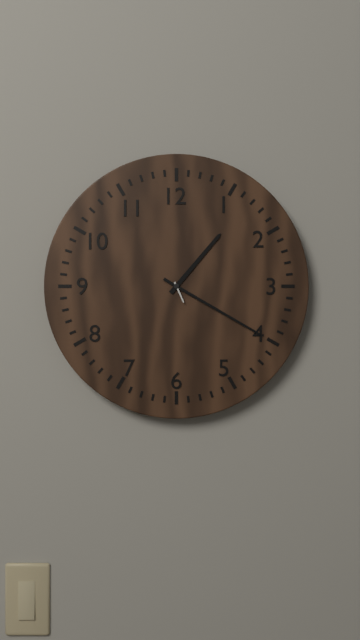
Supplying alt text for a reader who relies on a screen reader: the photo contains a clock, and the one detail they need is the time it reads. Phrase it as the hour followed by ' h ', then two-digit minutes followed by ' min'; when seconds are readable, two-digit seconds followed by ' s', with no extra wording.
1 h 20 min
